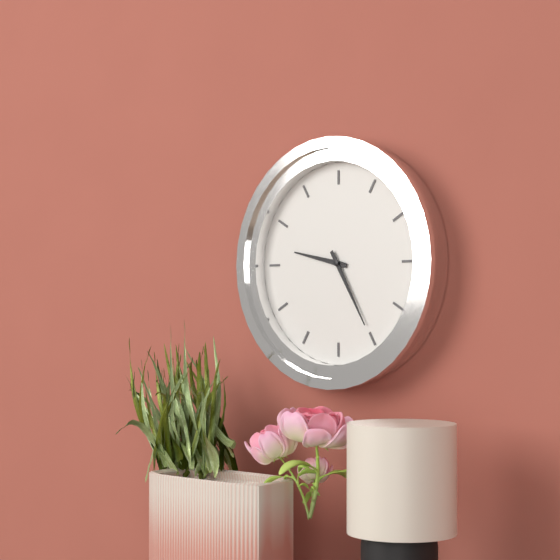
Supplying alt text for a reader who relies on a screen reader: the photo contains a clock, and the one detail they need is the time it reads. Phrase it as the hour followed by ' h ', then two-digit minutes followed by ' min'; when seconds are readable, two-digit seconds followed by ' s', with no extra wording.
9 h 25 min
